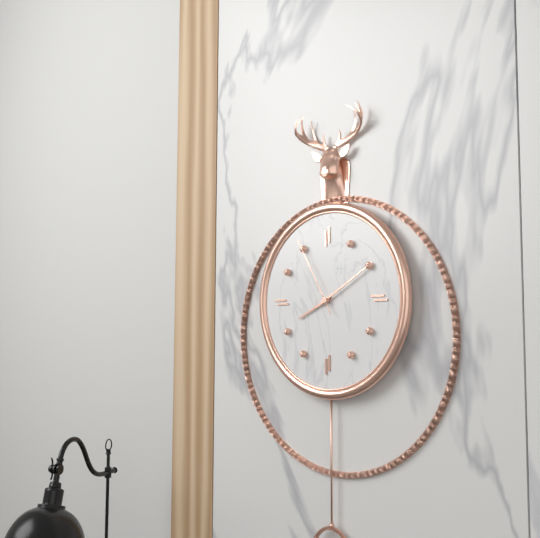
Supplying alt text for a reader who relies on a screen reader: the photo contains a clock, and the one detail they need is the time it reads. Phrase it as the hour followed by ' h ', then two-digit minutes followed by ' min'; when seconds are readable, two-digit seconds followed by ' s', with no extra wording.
8 h 10 min 55 s
